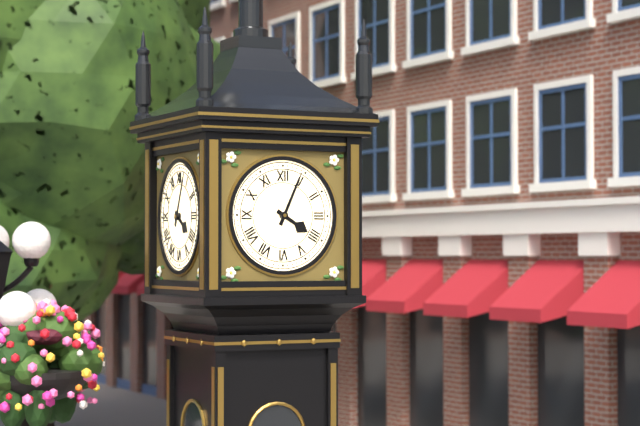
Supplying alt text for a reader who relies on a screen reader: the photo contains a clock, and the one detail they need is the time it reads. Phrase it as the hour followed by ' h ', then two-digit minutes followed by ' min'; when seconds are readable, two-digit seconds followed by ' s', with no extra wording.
4 h 04 min
